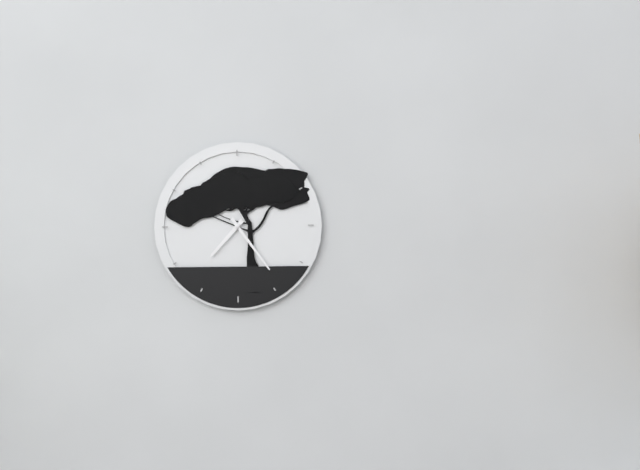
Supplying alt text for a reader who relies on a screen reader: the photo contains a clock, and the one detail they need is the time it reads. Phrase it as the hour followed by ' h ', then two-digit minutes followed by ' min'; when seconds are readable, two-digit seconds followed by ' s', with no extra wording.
7 h 24 min
